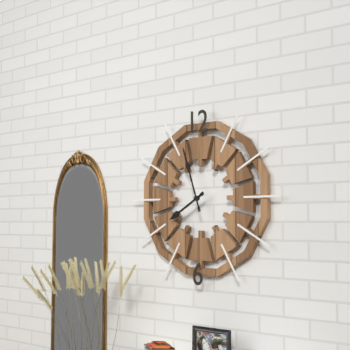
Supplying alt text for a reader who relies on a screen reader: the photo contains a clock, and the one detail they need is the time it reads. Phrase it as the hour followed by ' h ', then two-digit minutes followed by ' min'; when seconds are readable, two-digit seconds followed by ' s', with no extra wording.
7 h 57 min
